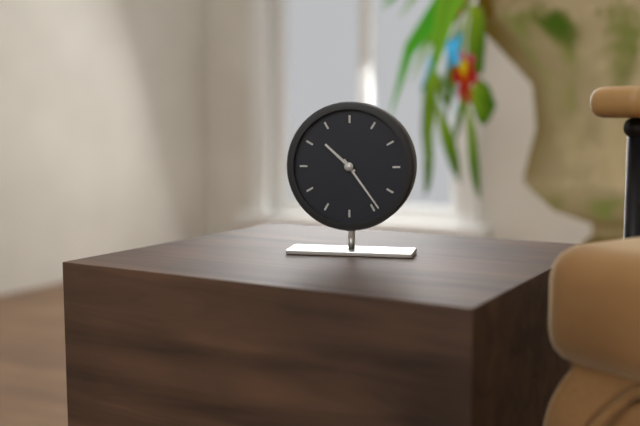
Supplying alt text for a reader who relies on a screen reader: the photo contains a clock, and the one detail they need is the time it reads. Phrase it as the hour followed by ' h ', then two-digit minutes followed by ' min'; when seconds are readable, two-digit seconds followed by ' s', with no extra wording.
10 h 24 min
